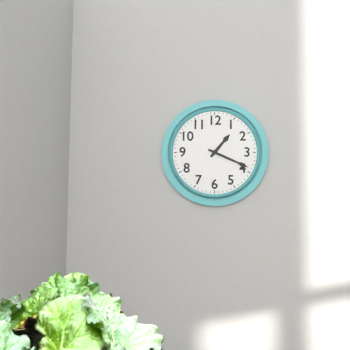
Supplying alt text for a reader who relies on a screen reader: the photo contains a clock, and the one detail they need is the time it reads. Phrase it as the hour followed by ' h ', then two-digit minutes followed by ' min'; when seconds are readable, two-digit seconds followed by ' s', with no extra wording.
1 h 19 min
